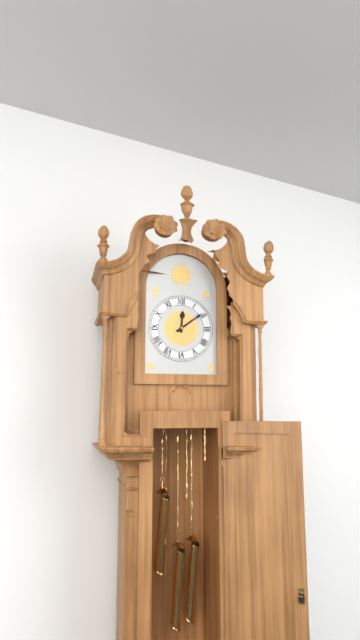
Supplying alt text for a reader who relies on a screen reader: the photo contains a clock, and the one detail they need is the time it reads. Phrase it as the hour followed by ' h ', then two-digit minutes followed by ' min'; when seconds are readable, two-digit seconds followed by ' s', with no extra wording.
12 h 09 min
